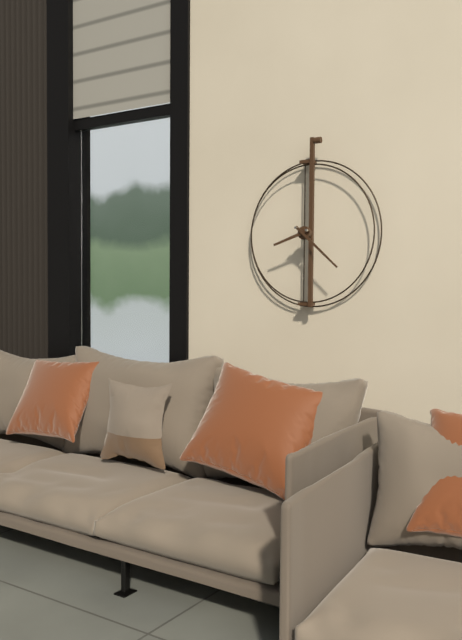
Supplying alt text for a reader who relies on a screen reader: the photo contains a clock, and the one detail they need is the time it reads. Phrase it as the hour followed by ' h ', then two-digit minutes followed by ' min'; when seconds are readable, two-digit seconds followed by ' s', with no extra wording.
8 h 22 min
